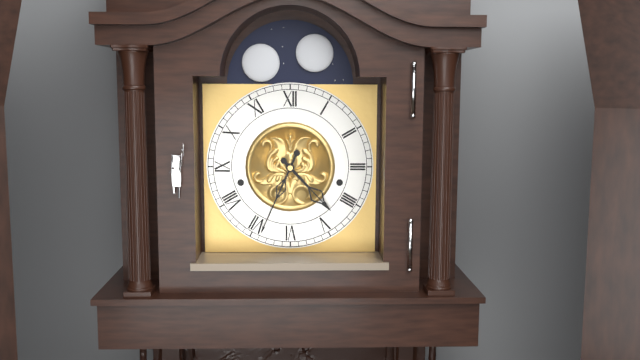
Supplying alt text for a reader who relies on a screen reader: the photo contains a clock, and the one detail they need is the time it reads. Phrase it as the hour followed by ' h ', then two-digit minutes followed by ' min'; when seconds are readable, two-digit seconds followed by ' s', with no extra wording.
4 h 34 min
